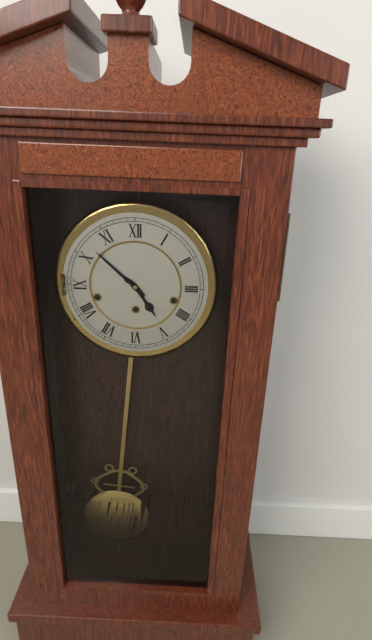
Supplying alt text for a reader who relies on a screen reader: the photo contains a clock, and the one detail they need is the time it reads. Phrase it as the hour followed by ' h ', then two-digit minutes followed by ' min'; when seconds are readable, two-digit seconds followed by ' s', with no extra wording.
4 h 52 min
